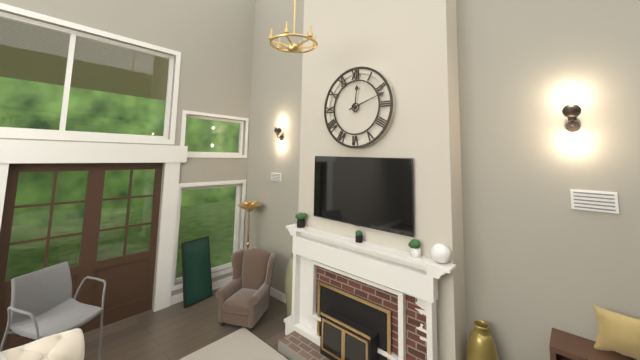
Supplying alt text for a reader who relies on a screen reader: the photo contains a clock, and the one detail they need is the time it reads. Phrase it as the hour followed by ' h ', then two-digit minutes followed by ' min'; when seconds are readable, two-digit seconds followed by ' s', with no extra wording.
12 h 12 min
